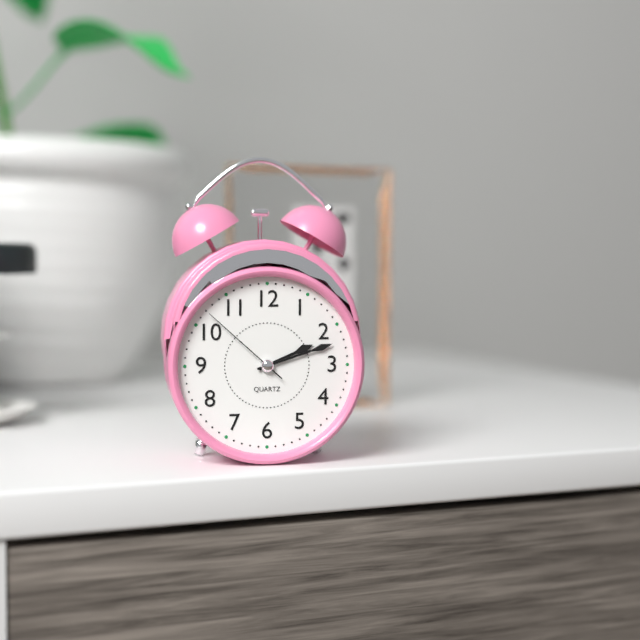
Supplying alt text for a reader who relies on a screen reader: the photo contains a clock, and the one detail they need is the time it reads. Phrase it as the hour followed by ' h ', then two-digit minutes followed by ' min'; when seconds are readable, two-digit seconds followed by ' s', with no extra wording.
2 h 12 min 52 s
